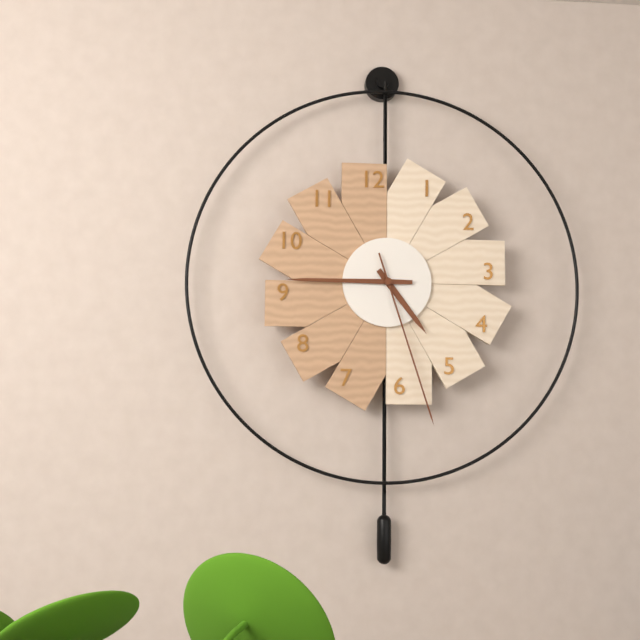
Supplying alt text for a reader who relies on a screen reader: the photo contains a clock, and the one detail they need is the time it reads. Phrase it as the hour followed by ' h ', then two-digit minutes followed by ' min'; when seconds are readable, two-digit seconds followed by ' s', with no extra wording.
4 h 45 min 27 s
